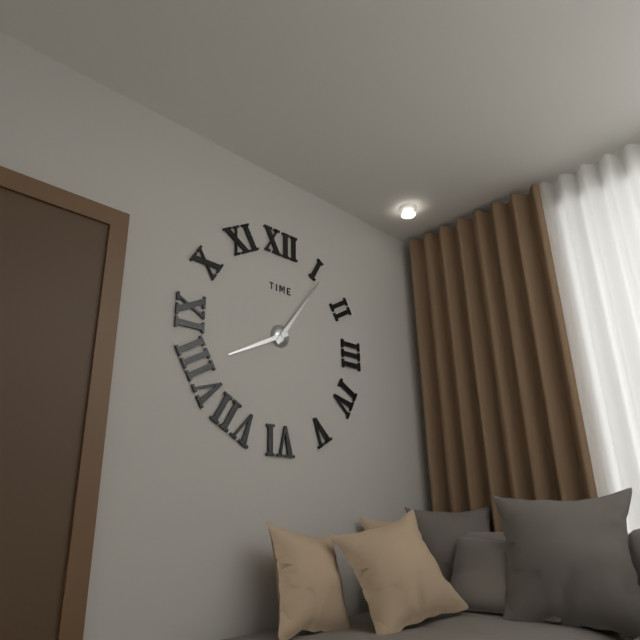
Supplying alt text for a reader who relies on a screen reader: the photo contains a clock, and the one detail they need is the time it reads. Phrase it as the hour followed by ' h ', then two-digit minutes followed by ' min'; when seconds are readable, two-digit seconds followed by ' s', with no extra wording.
8 h 06 min
